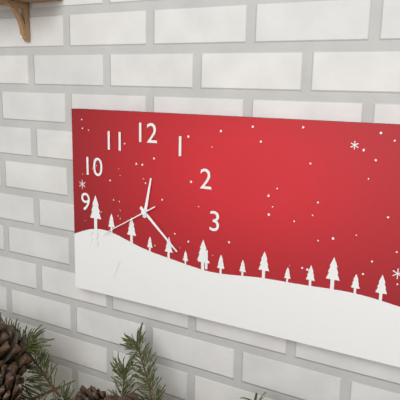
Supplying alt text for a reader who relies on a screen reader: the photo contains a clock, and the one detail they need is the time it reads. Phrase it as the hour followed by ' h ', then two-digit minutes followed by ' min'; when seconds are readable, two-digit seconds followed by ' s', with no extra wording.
12 h 22 min 40 s
